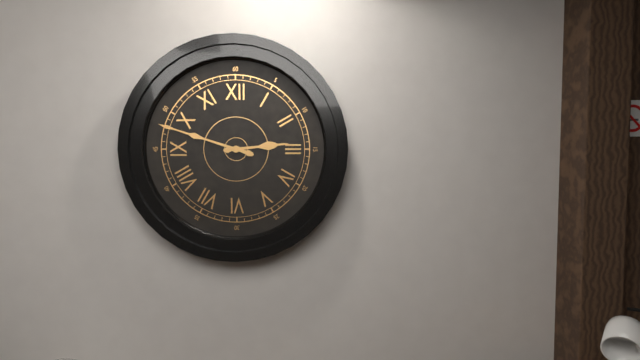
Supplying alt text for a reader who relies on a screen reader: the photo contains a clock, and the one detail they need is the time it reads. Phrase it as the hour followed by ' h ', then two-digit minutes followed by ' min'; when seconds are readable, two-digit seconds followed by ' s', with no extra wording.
2 h 48 min
